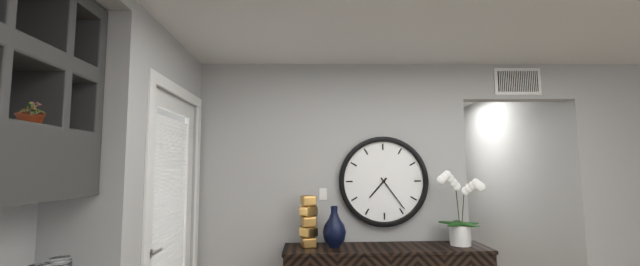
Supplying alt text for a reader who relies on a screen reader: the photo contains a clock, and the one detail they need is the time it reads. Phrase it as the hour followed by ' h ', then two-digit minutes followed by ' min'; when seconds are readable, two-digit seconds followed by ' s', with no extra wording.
7 h 24 min
